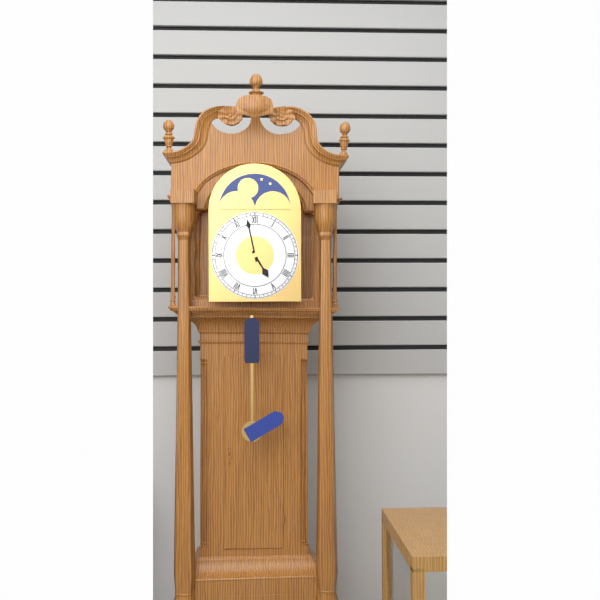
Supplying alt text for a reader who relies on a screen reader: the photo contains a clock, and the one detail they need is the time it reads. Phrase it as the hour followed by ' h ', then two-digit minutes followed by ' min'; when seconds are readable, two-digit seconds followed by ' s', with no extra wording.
4 h 58 min
